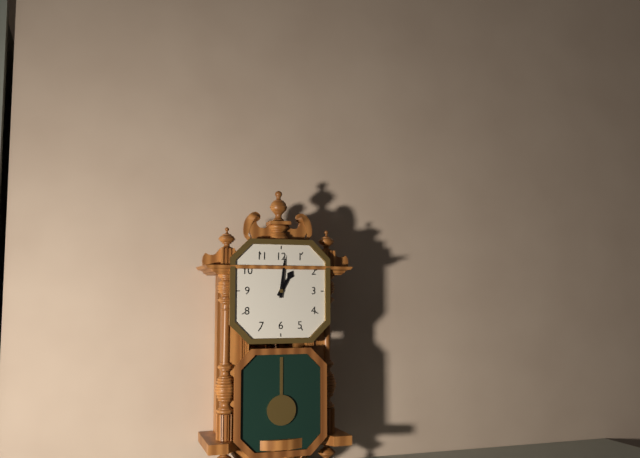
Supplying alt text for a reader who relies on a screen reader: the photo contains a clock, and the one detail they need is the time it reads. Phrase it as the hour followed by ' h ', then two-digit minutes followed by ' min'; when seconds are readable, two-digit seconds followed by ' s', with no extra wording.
1 h 01 min
